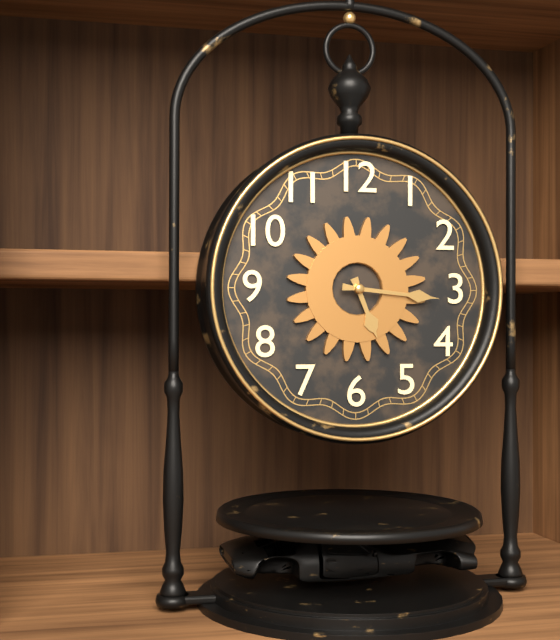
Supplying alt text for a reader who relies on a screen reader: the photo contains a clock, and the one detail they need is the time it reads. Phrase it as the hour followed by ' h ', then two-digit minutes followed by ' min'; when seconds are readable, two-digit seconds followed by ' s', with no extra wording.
5 h 16 min
